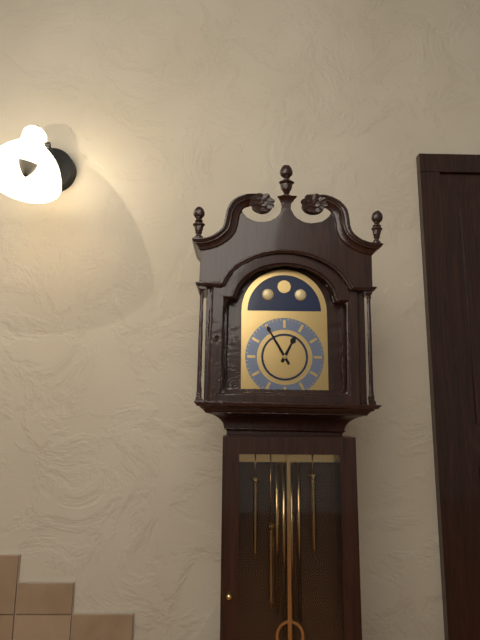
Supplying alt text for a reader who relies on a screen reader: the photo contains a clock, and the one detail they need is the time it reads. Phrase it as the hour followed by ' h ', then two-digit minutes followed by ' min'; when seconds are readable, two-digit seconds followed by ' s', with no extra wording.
12 h 55 min
